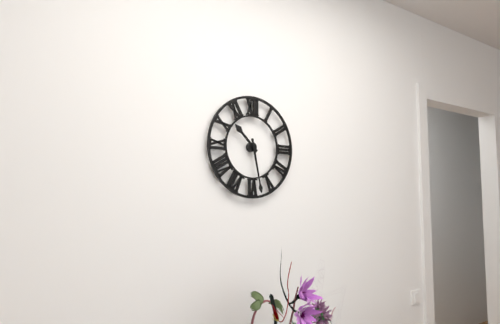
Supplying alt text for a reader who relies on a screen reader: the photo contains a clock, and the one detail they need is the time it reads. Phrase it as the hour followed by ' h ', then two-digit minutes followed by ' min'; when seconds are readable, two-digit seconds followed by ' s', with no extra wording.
10 h 28 min
